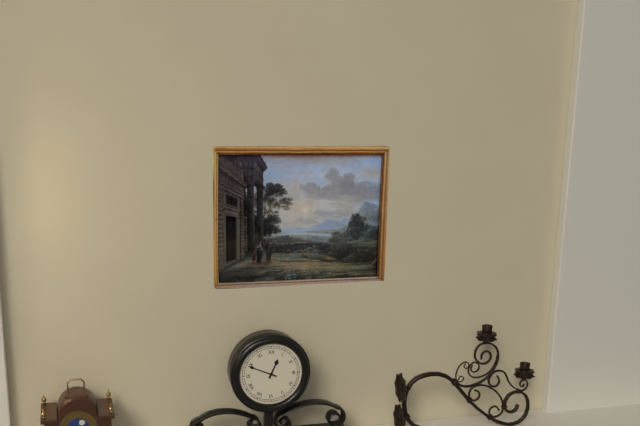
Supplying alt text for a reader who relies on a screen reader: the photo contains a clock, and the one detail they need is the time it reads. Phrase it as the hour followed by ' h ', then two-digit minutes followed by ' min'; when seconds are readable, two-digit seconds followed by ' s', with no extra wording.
12 h 49 min
